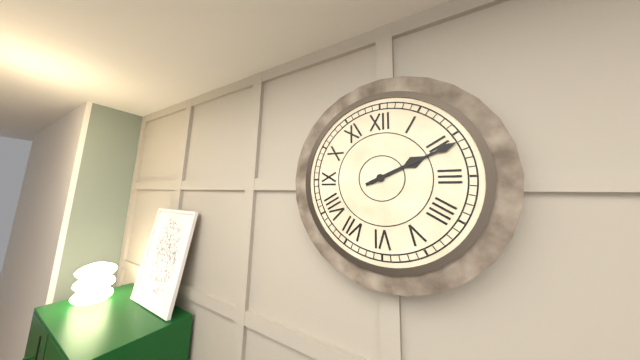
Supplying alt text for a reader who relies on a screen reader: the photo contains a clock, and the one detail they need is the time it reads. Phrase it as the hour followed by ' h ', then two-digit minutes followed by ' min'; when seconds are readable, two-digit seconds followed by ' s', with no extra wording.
2 h 11 min
